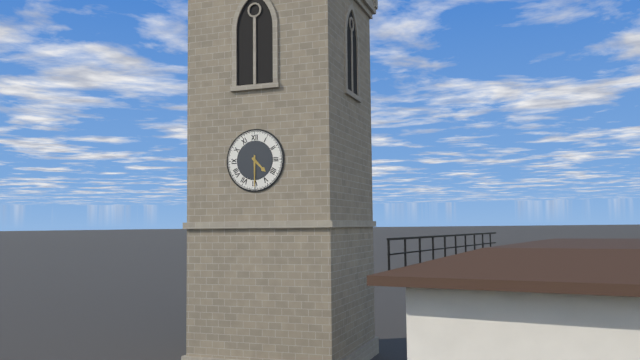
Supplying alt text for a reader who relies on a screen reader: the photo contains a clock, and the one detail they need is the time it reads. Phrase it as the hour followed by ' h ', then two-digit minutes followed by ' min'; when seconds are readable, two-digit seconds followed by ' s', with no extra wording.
4 h 30 min
